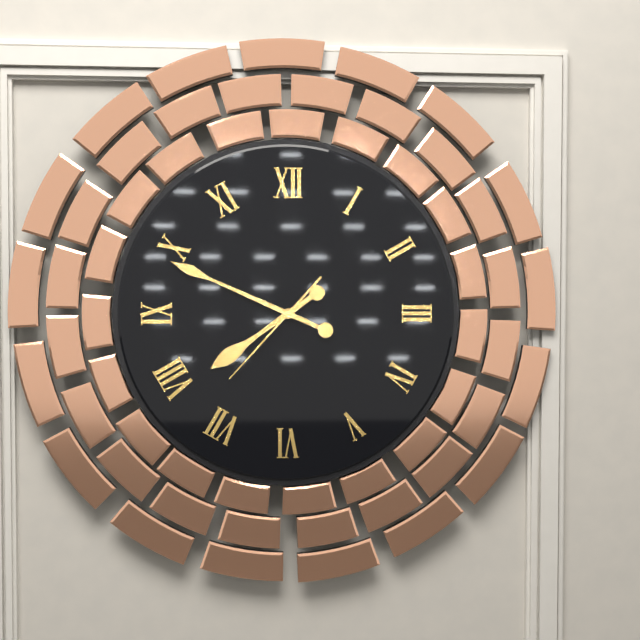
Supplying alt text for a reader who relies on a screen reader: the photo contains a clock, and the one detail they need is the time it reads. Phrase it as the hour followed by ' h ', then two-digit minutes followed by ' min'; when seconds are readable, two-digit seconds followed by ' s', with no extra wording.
7 h 49 min 37 s
